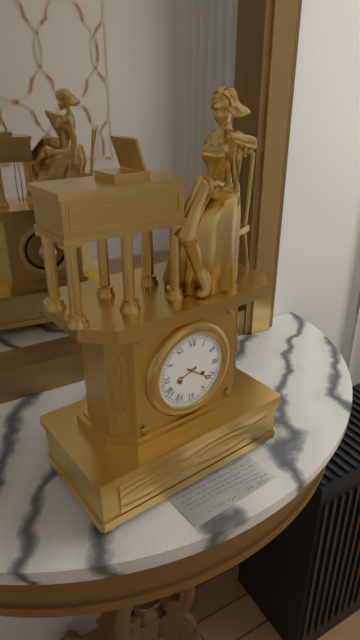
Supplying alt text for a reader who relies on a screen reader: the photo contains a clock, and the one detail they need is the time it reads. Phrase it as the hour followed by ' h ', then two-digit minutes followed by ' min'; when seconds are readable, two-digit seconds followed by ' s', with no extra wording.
8 h 21 min
